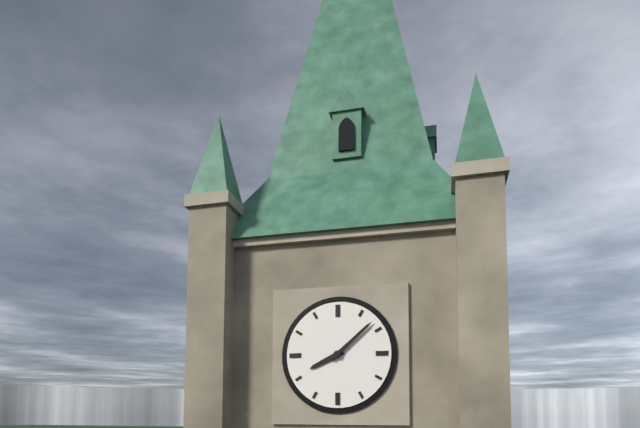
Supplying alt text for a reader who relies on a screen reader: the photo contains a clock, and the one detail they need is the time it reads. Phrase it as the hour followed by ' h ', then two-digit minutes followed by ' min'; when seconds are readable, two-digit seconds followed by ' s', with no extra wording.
8 h 08 min
